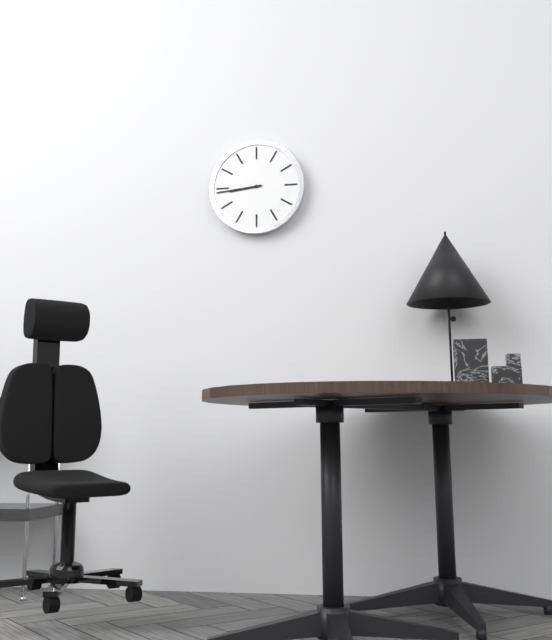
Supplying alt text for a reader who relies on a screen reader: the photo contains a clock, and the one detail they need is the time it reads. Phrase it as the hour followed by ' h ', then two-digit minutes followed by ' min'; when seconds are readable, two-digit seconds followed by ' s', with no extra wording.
8 h 44 min
